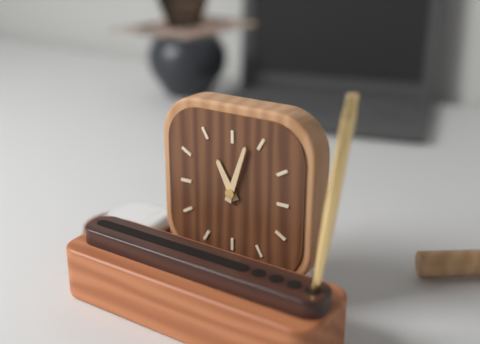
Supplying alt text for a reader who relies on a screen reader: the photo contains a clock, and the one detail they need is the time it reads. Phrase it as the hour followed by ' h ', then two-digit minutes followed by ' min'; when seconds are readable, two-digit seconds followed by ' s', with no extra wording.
11 h 03 min
